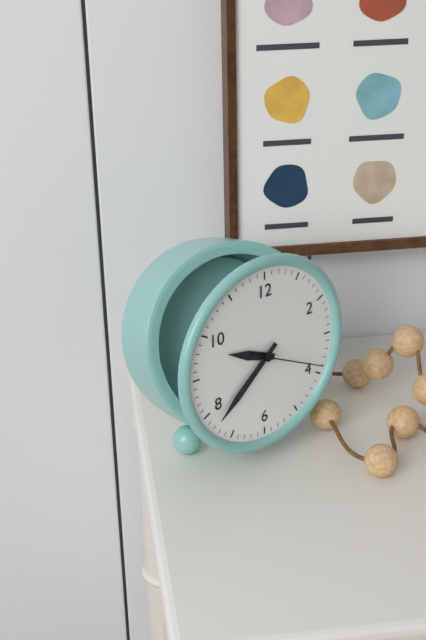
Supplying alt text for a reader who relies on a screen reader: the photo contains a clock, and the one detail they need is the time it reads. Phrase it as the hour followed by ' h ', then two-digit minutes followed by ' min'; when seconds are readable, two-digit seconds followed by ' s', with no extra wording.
9 h 38 min 19 s
